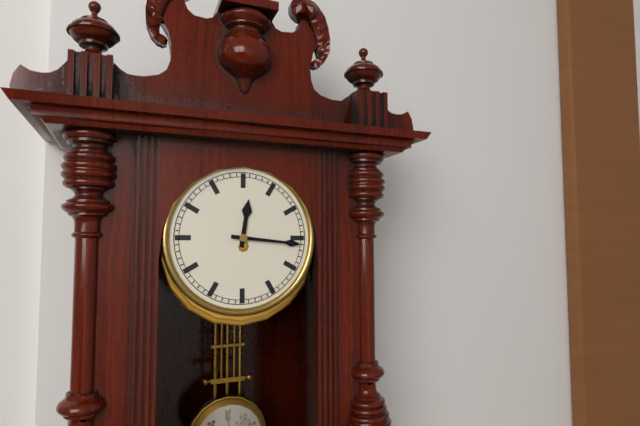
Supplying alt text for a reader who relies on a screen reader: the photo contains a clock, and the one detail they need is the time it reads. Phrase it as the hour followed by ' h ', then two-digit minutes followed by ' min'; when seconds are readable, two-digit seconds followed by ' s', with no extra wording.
12 h 16 min
